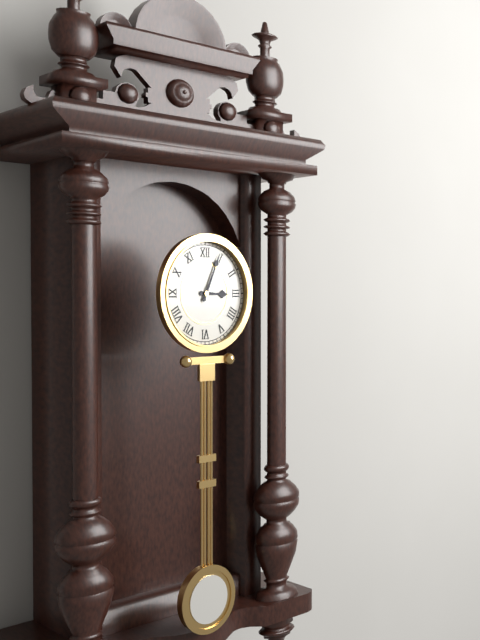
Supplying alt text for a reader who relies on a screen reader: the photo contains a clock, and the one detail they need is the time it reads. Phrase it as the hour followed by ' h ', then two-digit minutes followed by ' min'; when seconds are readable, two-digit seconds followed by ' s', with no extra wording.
3 h 04 min
